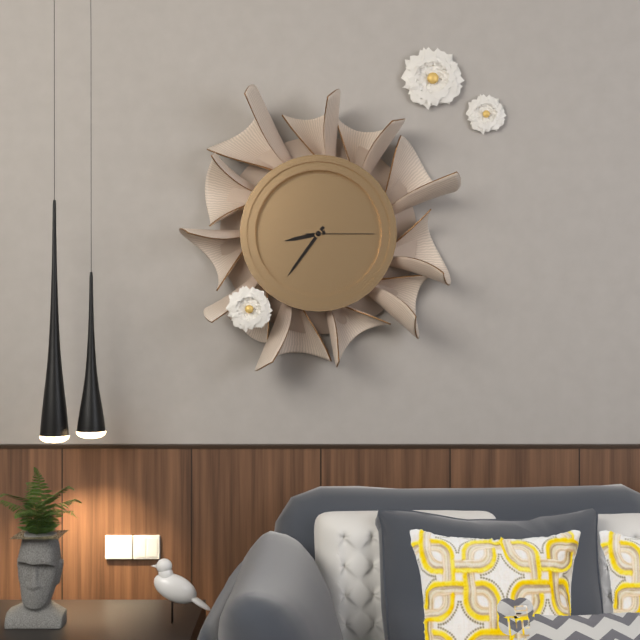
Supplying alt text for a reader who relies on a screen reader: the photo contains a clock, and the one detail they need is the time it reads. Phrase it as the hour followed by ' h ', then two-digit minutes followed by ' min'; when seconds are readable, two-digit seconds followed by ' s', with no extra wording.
8 h 36 min 15 s
